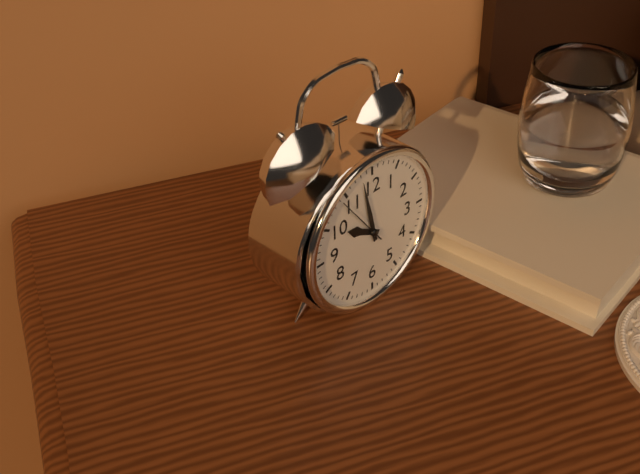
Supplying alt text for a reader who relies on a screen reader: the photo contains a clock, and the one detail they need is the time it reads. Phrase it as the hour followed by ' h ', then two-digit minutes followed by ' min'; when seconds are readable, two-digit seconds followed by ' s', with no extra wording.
9 h 58 min 54 s
